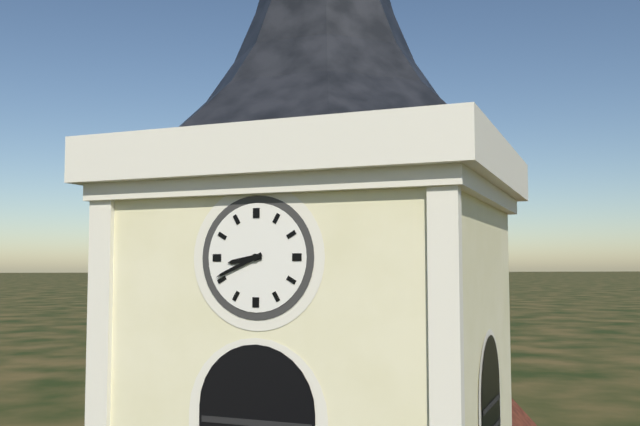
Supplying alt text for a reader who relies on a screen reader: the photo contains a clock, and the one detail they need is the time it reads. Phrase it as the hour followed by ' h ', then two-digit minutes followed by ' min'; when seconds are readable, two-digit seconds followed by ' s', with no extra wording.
8 h 41 min
